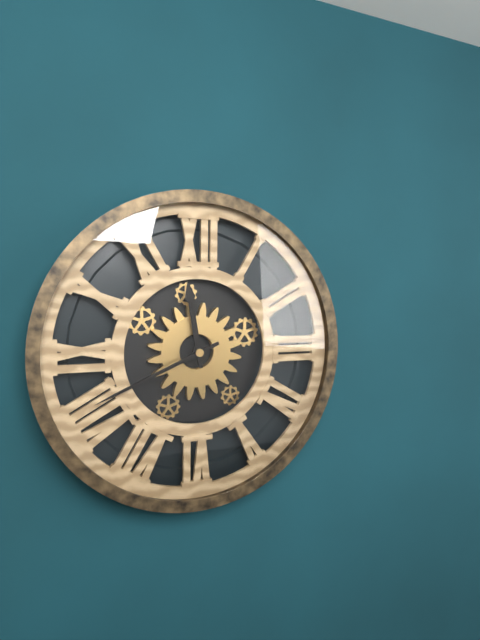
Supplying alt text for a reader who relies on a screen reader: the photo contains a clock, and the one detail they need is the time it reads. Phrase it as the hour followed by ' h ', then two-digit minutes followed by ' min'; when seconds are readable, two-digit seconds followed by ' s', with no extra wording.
11 h 41 min
